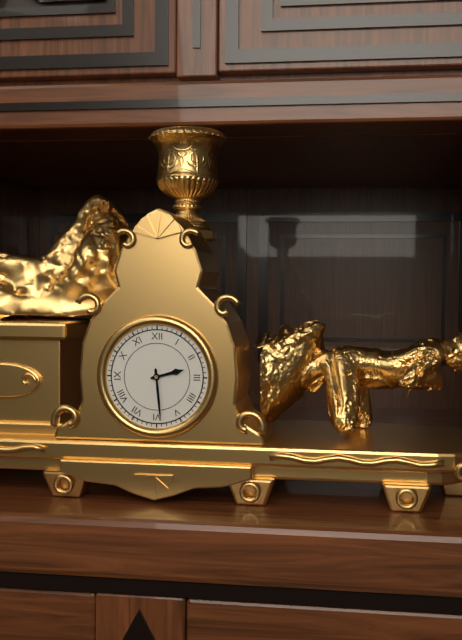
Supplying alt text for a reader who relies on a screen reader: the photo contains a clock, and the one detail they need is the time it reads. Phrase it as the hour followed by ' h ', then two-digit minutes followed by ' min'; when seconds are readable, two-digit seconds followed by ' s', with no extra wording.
2 h 29 min
